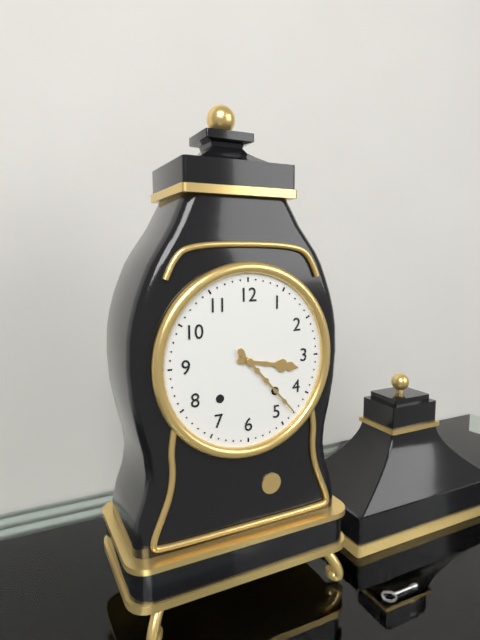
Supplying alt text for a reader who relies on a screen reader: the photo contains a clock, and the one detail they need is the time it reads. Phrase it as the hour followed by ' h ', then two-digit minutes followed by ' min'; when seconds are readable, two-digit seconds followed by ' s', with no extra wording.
3 h 23 min
